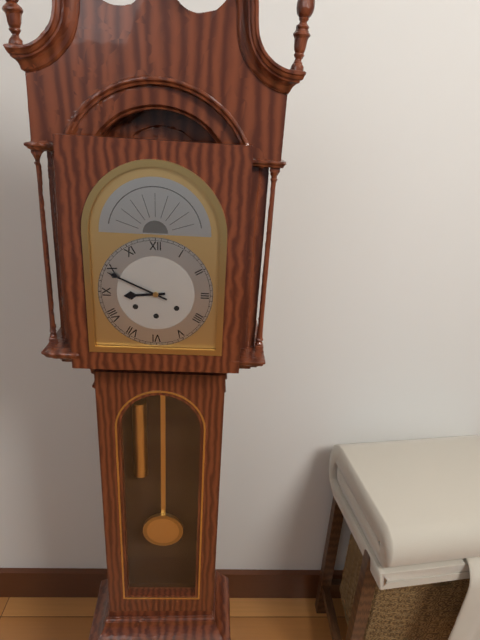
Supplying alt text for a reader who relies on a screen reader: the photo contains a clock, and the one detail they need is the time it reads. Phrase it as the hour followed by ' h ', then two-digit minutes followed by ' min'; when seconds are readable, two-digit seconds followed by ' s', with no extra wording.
8 h 49 min
